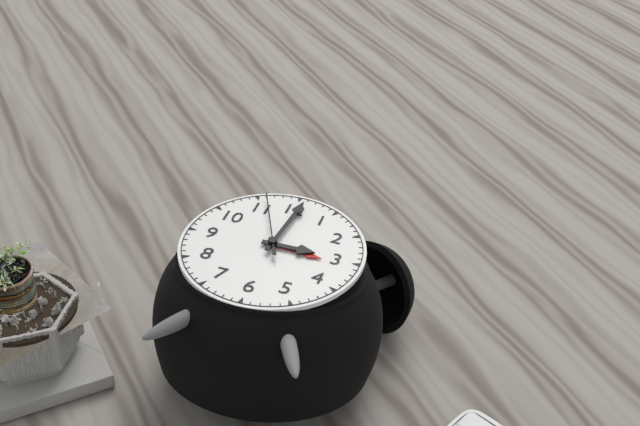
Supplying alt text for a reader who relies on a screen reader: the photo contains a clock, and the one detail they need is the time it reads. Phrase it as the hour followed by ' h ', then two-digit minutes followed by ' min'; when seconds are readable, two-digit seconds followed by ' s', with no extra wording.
3 h 01 min 56 s
